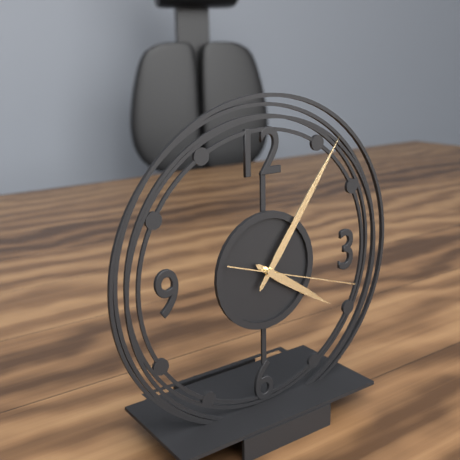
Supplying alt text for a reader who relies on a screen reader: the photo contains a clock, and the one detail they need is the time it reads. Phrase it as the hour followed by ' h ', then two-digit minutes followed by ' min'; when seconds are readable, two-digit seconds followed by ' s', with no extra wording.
4 h 06 min 18 s
